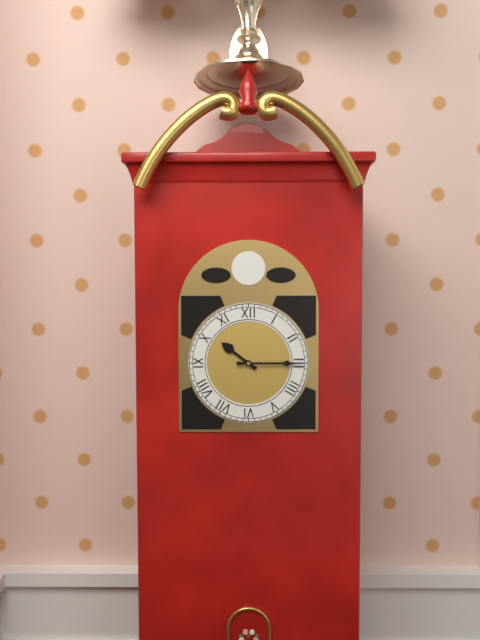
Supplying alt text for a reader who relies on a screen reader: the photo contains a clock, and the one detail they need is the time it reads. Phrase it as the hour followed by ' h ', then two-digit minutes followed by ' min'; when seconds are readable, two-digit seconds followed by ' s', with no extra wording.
10 h 15 min
